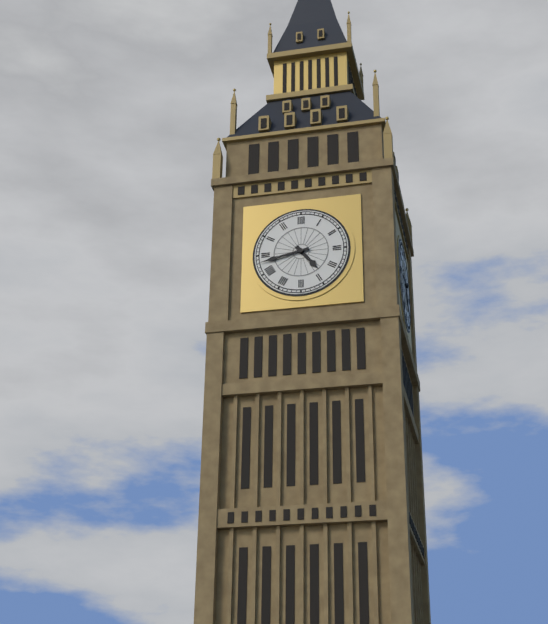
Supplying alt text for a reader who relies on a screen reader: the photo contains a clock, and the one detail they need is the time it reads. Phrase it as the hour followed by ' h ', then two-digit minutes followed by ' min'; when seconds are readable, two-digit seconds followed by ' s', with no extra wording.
4 h 43 min
